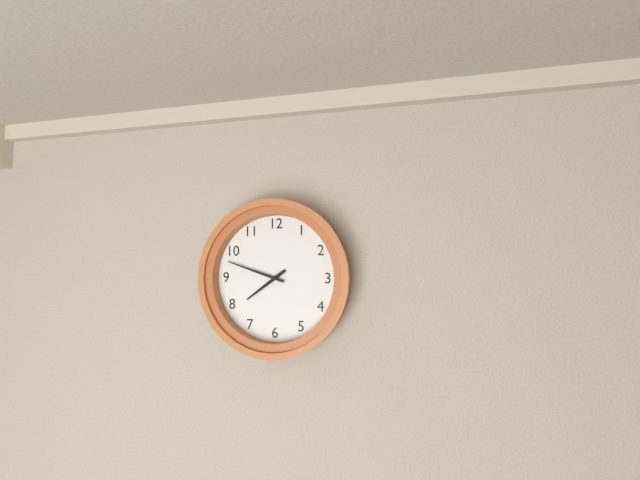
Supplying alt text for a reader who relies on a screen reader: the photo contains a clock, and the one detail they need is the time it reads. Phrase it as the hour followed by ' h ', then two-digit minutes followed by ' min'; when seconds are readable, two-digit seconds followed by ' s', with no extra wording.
7 h 48 min
